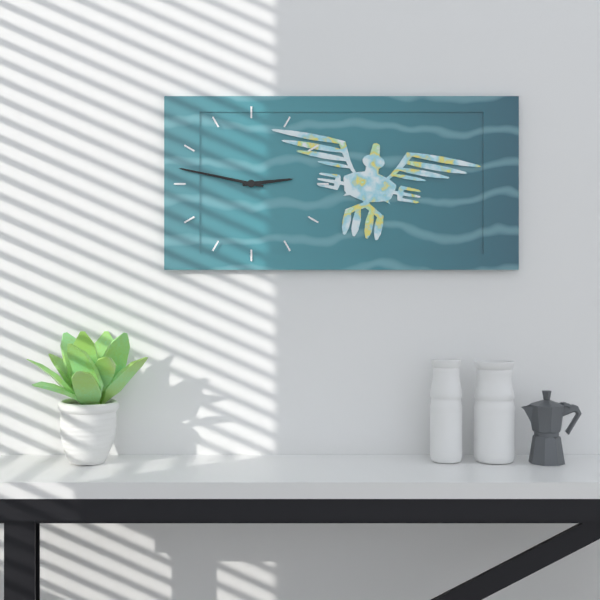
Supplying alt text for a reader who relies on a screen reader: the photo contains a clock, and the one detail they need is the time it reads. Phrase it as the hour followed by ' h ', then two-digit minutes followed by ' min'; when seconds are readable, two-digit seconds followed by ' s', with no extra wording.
2 h 47 min
